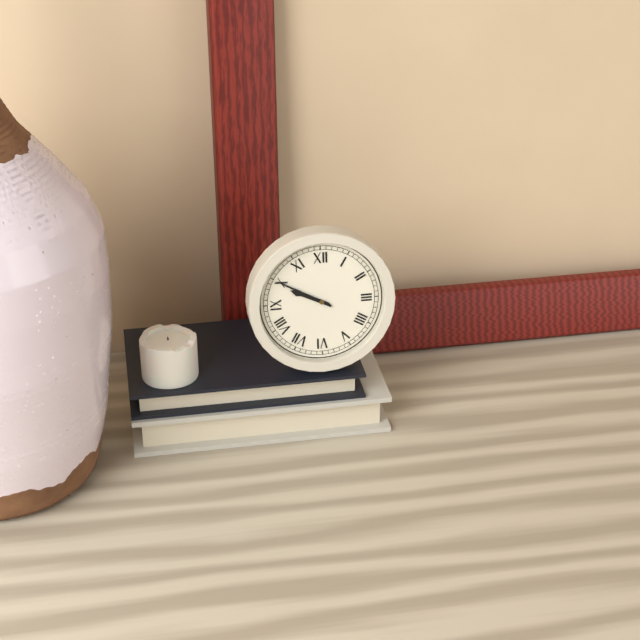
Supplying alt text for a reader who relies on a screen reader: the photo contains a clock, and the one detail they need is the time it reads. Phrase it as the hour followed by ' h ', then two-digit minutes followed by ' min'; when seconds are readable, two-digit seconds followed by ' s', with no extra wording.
9 h 50 min
